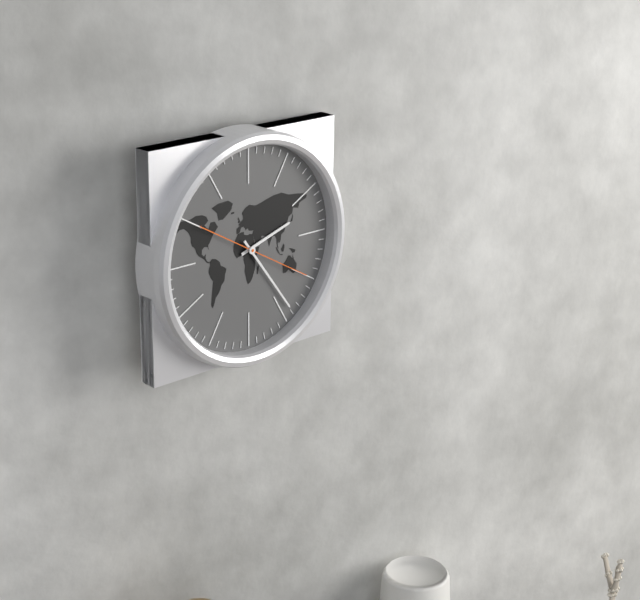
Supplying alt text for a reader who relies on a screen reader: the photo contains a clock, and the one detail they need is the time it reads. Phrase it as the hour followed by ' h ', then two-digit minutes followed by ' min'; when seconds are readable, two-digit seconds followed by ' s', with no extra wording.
2 h 24 min 20 s
